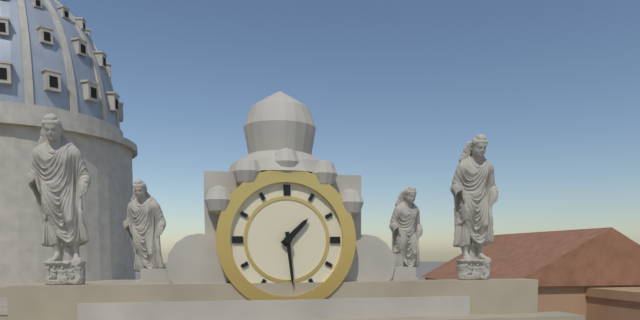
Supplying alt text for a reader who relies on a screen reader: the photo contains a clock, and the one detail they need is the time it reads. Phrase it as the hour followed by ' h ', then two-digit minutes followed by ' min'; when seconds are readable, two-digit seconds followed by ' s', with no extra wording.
1 h 29 min
